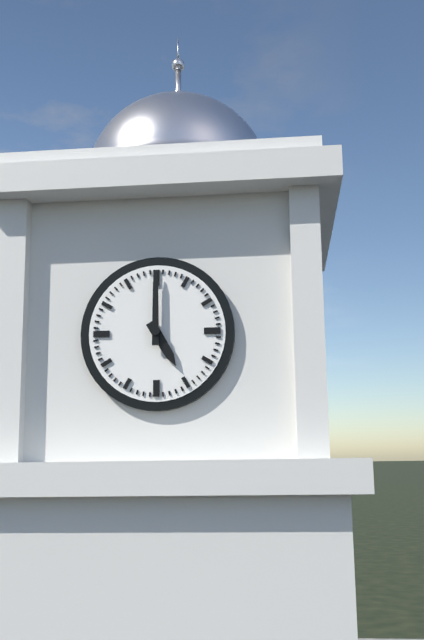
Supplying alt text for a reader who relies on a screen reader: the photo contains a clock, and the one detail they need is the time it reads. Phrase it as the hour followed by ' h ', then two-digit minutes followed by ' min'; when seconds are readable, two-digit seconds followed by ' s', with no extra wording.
5 h 00 min
